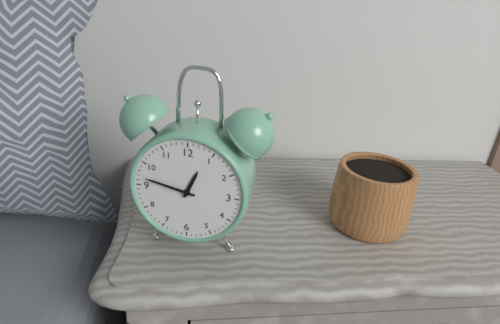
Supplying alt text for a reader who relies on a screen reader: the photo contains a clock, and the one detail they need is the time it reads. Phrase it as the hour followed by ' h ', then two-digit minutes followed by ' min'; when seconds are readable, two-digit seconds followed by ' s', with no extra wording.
12 h 47 min
